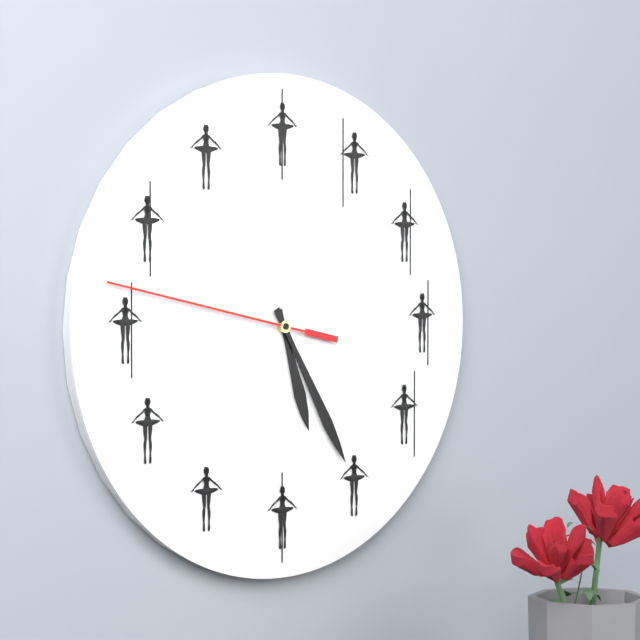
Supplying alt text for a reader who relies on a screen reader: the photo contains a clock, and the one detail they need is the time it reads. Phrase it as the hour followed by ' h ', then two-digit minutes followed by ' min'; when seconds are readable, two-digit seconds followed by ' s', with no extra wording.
5 h 25 min 47 s
